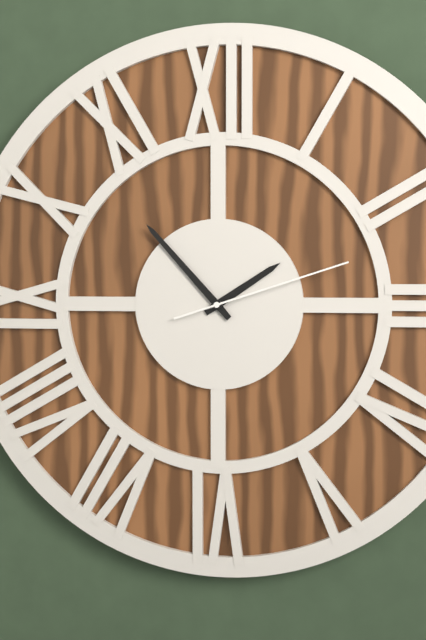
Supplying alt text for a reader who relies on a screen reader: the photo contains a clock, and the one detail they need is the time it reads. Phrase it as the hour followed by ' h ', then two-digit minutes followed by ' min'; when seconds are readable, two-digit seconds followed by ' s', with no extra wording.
1 h 53 min 12 s
